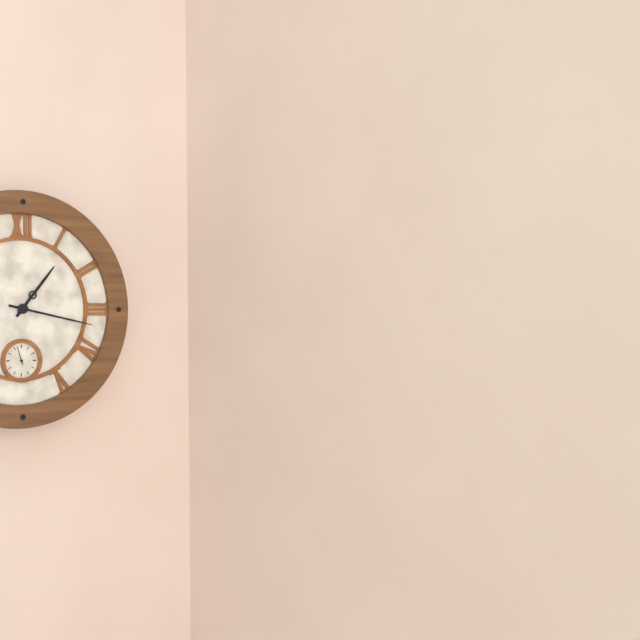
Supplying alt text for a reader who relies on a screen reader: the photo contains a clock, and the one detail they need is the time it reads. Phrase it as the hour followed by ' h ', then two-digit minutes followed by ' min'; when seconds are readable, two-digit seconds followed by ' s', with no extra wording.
1 h 17 min
